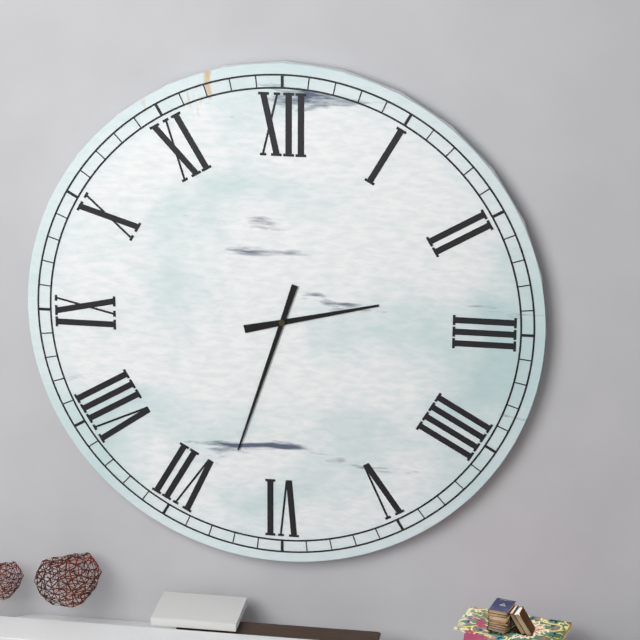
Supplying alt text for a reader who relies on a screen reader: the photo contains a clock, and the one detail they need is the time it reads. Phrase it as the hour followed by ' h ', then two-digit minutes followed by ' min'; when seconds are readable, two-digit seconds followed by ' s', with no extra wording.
2 h 33 min
